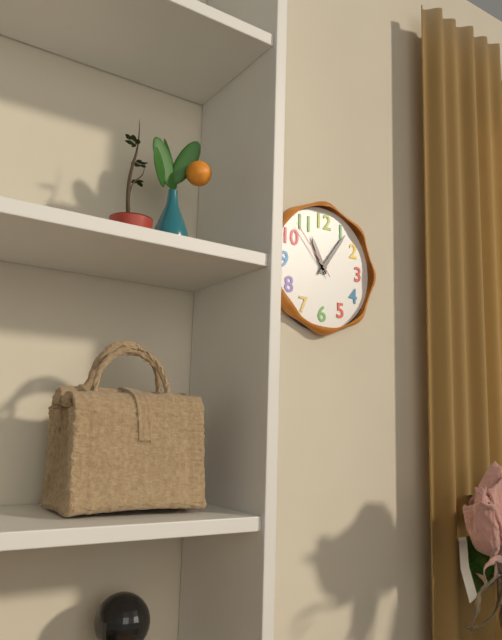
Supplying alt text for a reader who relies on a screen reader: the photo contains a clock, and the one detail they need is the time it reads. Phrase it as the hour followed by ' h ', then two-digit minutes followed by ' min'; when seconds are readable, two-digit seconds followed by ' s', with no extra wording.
11 h 06 min 53 s
